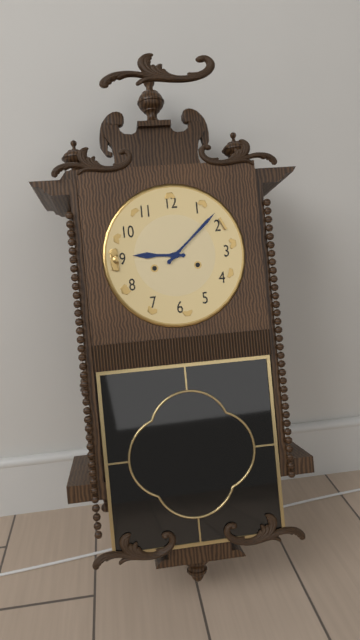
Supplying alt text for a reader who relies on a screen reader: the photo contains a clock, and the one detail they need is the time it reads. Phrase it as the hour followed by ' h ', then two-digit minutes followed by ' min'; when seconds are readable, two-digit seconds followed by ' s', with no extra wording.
9 h 08 min
